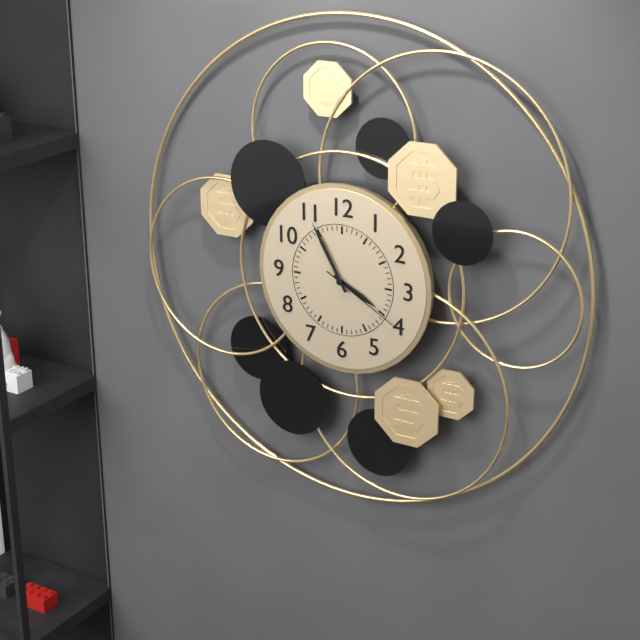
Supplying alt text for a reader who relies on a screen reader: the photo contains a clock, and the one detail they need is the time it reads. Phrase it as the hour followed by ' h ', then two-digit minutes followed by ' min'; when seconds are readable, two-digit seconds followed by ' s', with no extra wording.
3 h 55 min 20 s
